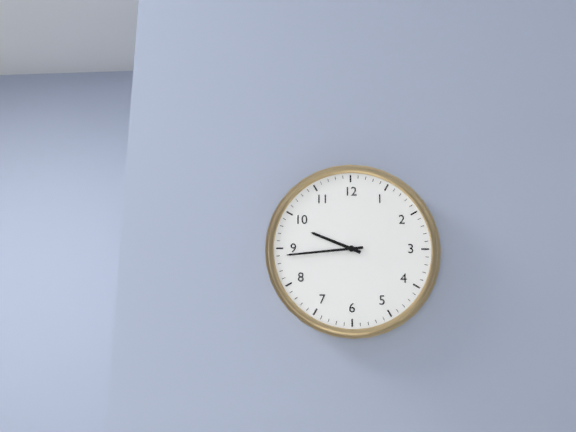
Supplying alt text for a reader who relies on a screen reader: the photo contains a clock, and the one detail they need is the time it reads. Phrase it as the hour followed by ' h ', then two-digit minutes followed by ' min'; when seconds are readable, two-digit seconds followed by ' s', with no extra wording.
9 h 44 min
